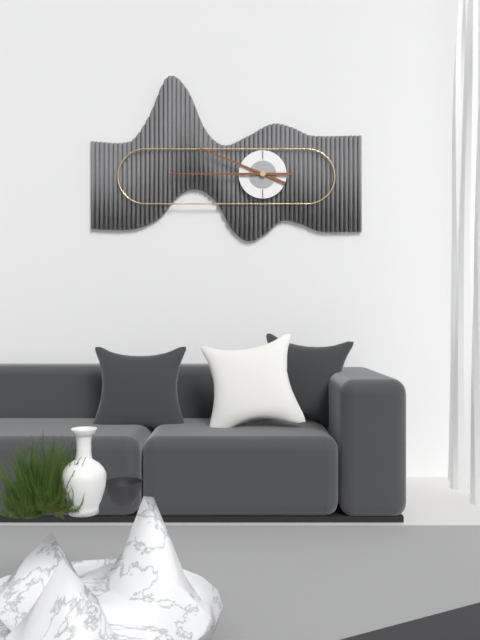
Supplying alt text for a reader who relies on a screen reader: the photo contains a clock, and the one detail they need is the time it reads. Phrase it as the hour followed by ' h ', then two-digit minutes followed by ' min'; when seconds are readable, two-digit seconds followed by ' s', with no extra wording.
9 h 45 min
